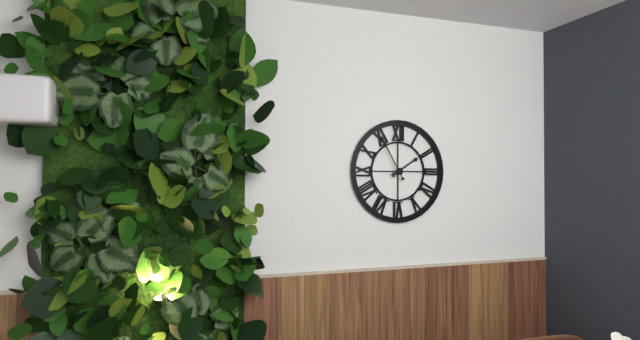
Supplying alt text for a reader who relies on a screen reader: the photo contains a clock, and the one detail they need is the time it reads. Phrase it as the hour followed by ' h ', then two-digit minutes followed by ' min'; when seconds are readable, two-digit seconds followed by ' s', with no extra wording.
1 h 55 min
